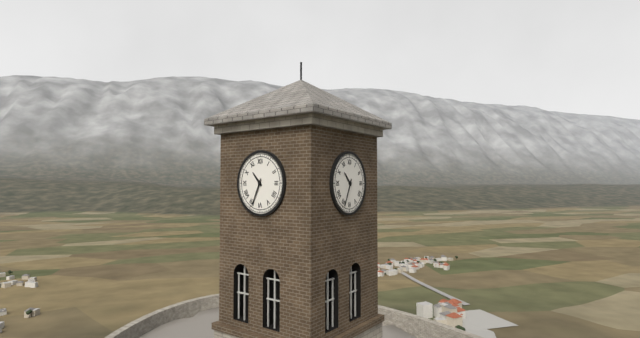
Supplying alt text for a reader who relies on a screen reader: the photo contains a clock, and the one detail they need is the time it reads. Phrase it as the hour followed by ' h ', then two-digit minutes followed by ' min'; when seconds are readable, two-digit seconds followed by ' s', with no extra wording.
10 h 34 min
